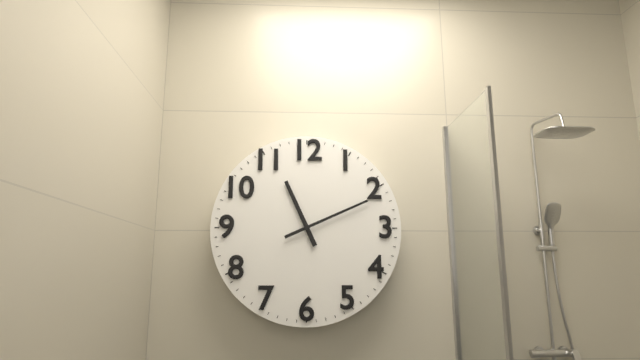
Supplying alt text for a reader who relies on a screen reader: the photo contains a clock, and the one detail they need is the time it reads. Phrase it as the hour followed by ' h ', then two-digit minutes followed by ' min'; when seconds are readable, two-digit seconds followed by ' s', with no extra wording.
11 h 11 min
